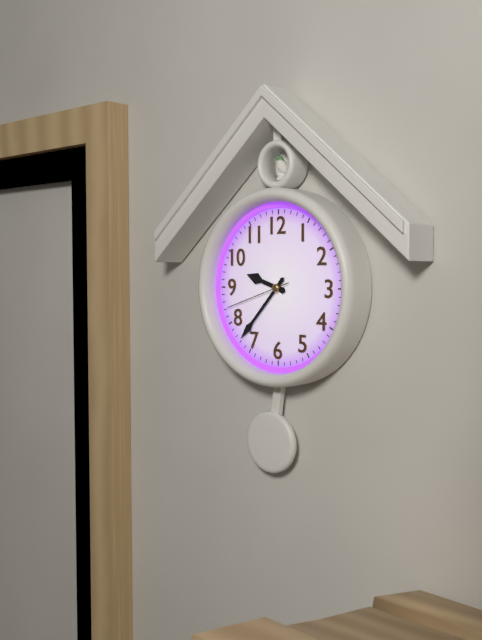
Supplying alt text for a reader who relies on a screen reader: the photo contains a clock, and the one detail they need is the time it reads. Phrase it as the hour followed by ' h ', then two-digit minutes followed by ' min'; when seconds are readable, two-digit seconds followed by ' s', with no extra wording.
9 h 37 min 42 s
